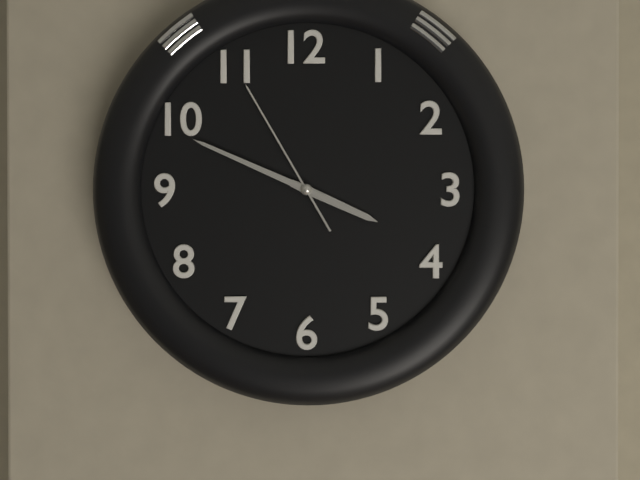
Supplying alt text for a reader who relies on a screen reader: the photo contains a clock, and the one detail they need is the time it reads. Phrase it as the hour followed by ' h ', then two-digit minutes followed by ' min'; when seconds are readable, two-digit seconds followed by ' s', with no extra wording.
3 h 49 min 55 s
